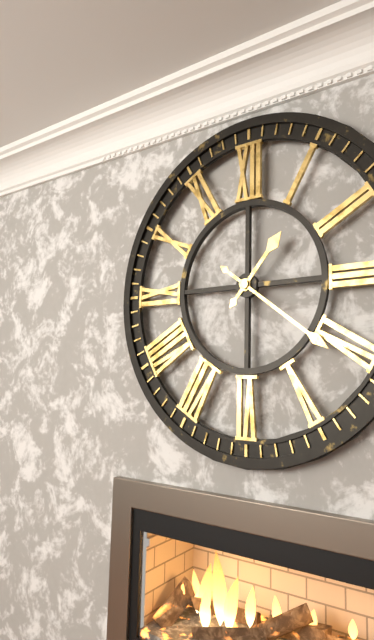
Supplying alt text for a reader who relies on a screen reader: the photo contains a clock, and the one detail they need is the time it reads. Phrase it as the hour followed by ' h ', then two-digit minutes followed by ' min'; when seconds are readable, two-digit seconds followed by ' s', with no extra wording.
1 h 21 min
